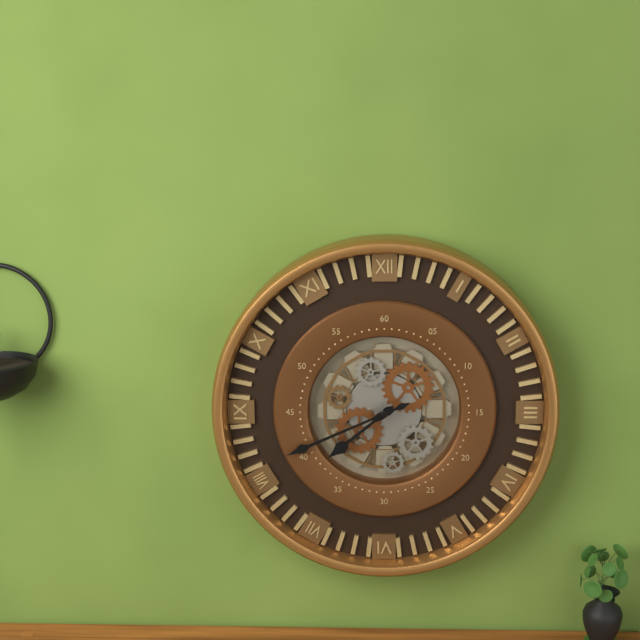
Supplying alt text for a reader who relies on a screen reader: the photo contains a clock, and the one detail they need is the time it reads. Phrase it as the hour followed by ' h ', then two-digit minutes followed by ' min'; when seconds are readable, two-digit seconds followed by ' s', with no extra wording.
7 h 41 min
